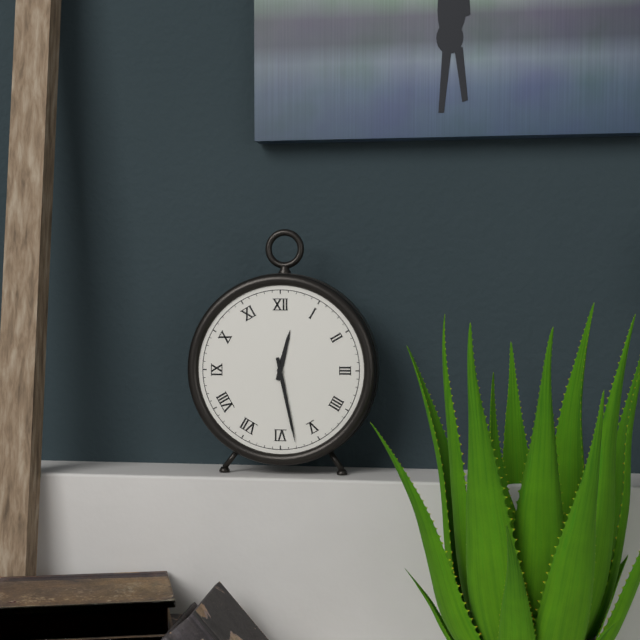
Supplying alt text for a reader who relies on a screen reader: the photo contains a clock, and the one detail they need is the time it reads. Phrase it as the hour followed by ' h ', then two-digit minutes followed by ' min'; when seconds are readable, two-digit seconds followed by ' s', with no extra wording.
12 h 28 min
